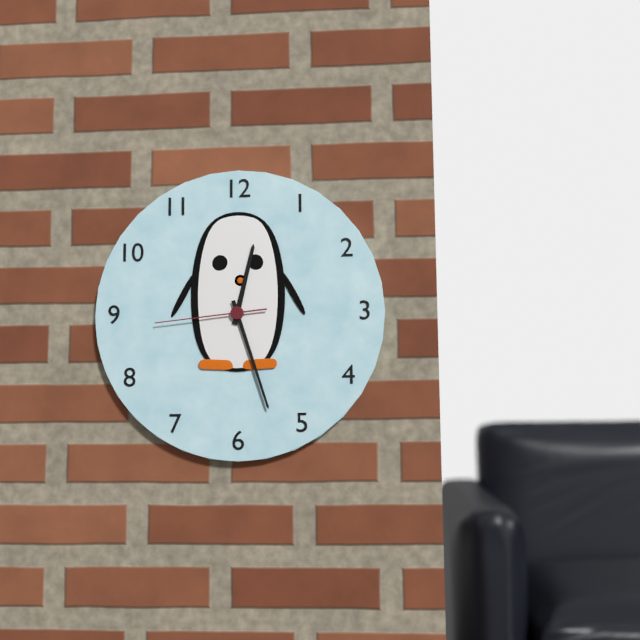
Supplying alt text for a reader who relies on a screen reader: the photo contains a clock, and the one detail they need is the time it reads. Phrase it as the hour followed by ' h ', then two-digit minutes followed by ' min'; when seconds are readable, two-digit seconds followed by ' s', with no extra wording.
12 h 27 min 44 s
